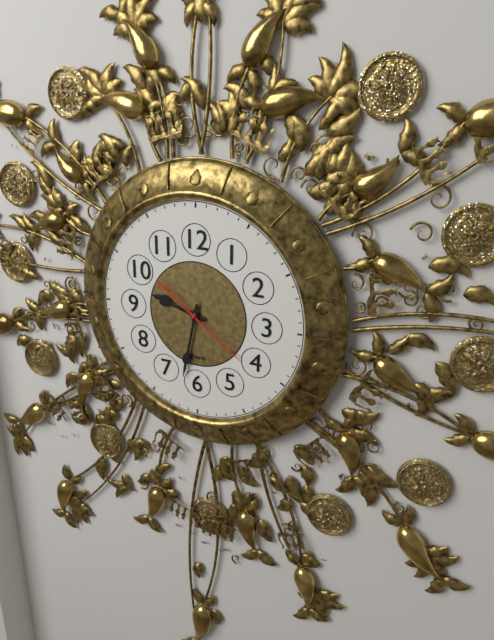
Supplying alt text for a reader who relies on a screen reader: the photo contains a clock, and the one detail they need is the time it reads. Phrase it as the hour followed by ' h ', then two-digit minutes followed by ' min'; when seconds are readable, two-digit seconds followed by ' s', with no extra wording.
9 h 32 min 21 s
